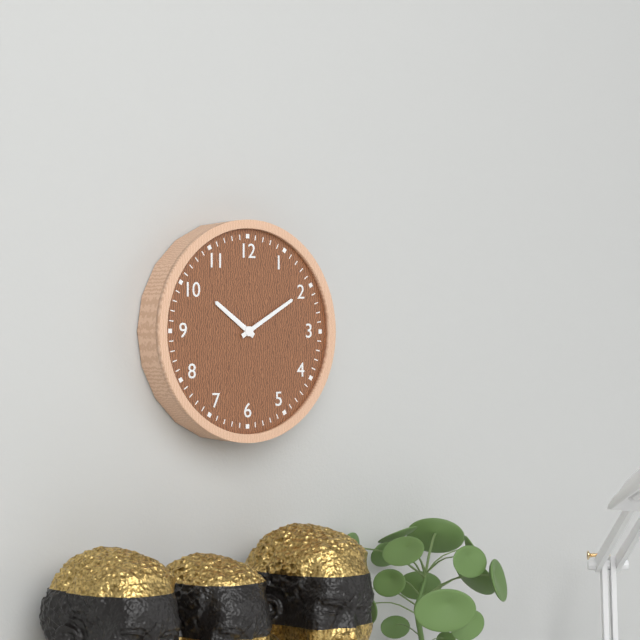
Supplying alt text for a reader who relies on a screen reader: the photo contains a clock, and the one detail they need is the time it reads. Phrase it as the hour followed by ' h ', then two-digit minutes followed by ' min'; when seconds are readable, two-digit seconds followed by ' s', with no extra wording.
10 h 10 min
